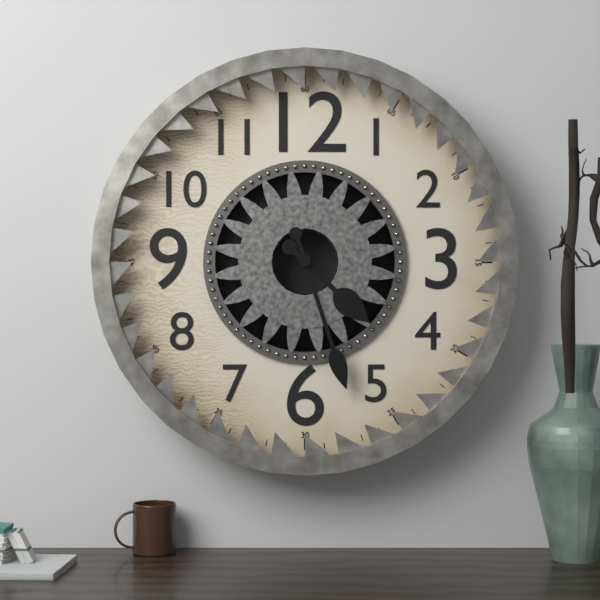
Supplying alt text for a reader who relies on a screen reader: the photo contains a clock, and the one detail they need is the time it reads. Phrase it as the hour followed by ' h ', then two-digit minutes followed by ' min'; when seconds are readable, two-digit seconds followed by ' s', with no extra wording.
4 h 27 min
